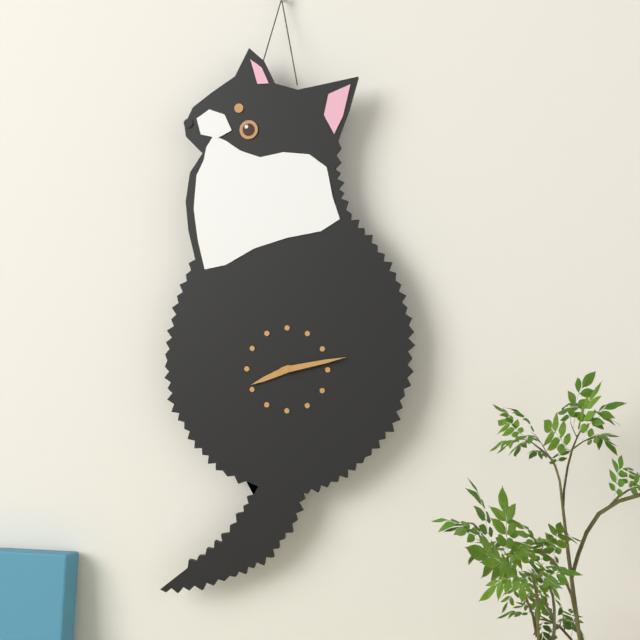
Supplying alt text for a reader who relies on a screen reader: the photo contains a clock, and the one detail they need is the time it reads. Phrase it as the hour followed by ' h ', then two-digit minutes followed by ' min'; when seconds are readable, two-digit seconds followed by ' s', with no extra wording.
8 h 13 min
